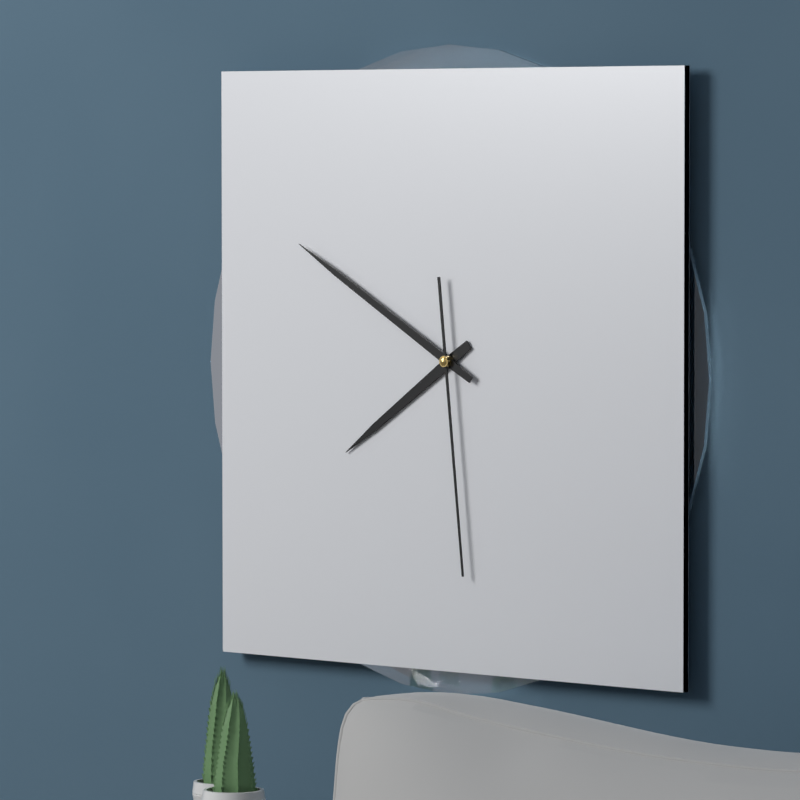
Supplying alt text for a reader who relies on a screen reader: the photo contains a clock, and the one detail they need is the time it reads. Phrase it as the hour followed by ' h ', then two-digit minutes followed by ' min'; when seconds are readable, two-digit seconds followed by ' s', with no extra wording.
7 h 50 min 29 s
